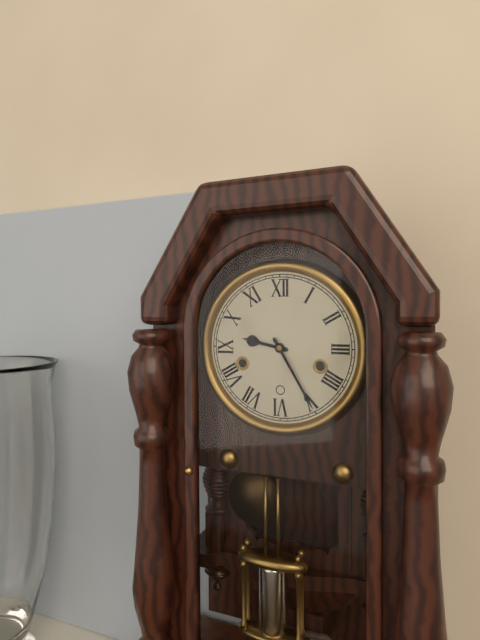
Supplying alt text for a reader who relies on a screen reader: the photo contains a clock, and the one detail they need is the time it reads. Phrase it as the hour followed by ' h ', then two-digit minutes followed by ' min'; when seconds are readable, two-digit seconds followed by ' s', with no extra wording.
9 h 25 min
